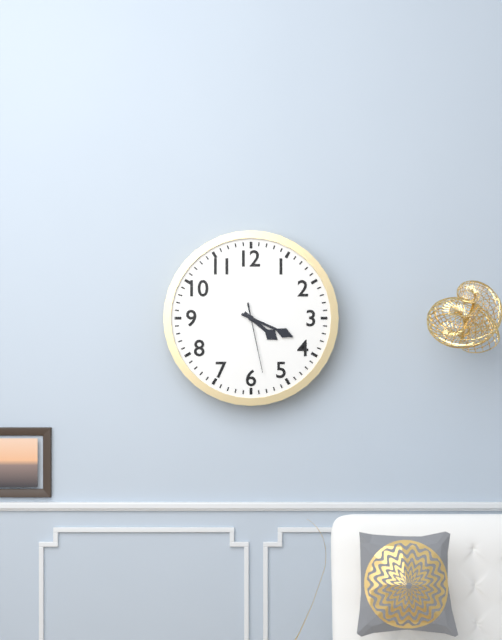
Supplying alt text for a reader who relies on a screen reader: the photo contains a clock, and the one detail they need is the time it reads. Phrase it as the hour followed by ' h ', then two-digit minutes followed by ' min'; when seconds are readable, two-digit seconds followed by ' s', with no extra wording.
4 h 19 min 28 s
